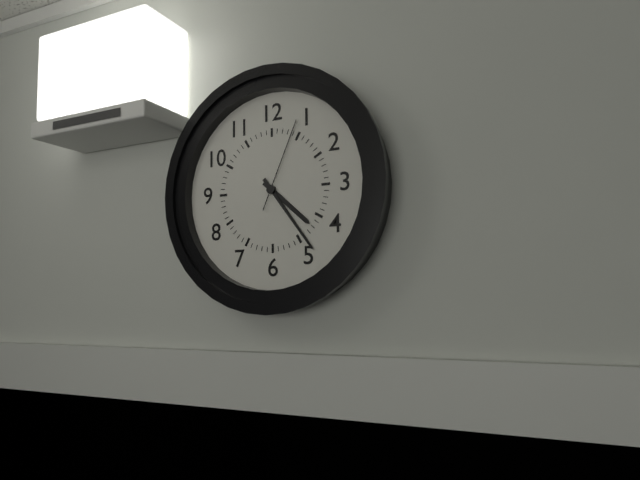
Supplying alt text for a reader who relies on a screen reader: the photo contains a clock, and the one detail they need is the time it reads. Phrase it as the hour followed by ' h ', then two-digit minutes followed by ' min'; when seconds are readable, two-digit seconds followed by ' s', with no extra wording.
4 h 24 min 04 s
